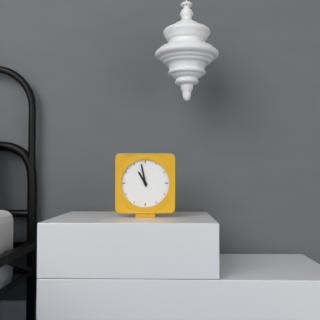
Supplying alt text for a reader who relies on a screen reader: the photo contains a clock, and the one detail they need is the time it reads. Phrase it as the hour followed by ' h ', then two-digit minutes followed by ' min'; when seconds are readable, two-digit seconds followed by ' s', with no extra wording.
10 h 58 min
